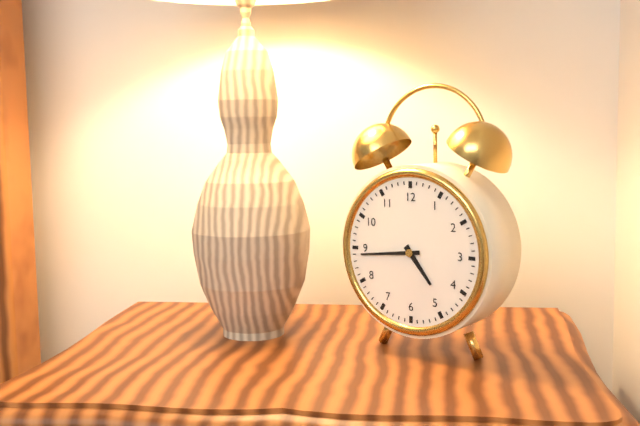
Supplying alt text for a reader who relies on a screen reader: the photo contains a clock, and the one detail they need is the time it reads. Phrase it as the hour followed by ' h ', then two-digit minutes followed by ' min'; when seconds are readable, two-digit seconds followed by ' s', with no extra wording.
4 h 44 min
